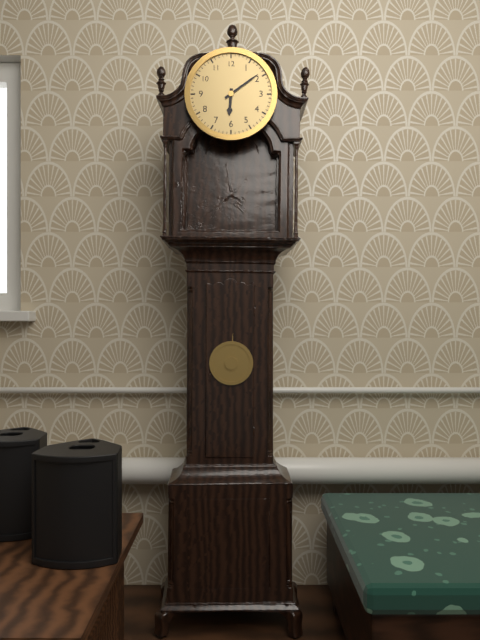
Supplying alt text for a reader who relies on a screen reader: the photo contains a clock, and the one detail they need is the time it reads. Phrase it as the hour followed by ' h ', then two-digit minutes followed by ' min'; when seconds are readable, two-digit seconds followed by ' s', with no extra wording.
6 h 09 min
